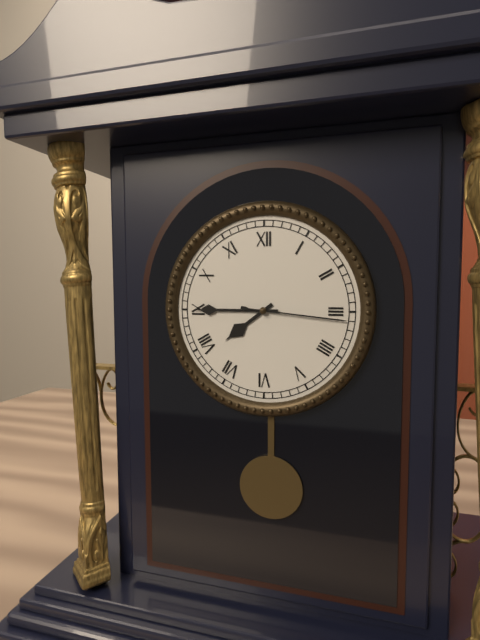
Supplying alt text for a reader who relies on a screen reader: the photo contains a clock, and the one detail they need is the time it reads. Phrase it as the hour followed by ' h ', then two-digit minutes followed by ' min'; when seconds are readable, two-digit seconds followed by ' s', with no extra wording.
7 h 45 min 16 s
